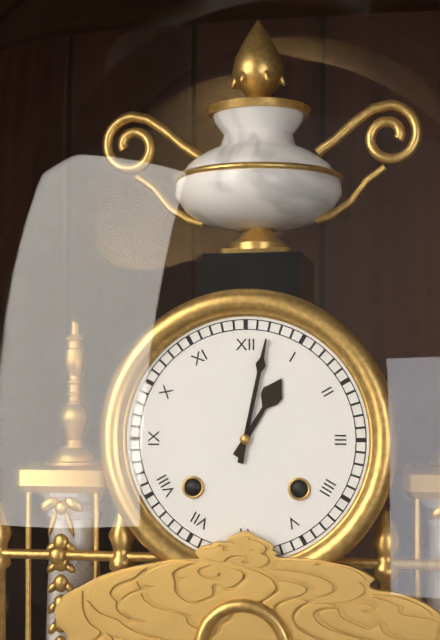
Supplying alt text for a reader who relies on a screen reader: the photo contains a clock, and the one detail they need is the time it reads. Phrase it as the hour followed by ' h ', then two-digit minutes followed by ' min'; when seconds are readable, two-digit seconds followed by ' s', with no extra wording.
1 h 02 min
